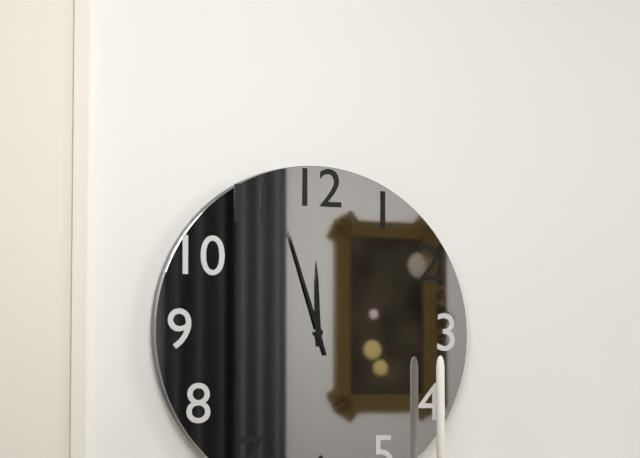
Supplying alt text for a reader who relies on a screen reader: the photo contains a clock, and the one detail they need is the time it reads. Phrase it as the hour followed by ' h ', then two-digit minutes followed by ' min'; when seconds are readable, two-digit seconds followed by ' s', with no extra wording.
11 h 57 min
